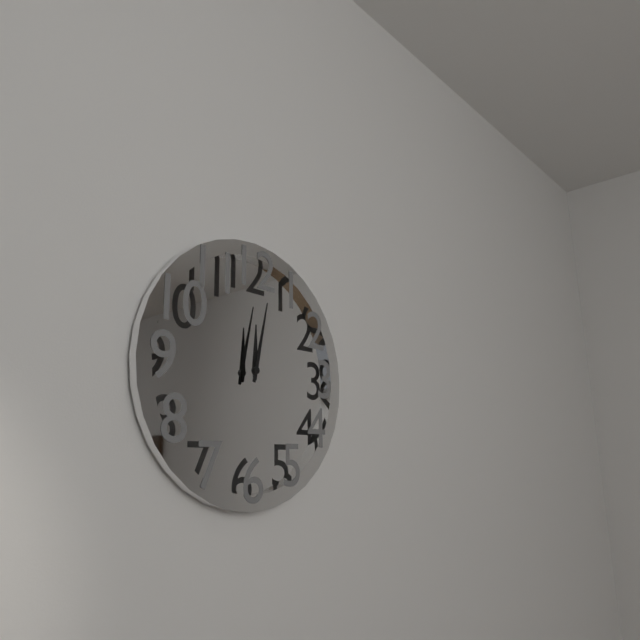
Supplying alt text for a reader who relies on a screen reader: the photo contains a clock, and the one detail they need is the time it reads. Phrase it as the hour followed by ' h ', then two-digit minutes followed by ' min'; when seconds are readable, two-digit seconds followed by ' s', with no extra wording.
12 h 02 min
